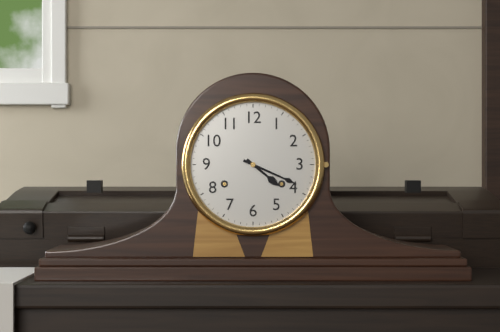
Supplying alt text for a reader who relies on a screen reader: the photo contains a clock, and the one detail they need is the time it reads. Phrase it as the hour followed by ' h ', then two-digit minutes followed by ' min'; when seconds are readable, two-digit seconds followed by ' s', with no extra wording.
4 h 19 min
